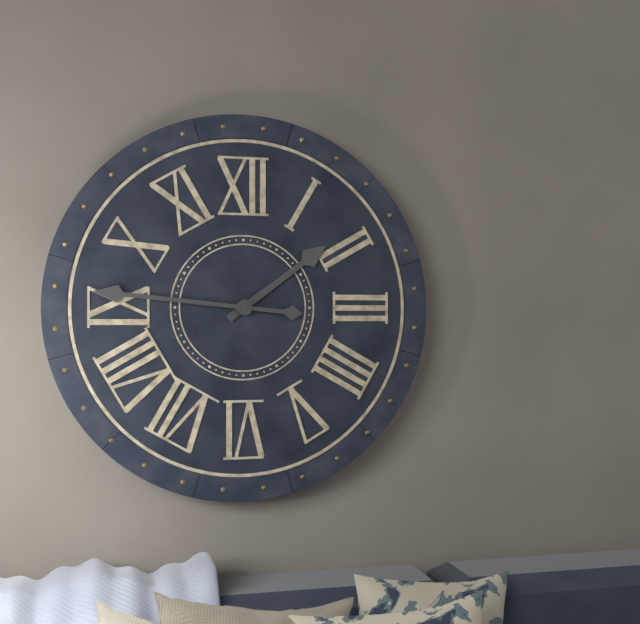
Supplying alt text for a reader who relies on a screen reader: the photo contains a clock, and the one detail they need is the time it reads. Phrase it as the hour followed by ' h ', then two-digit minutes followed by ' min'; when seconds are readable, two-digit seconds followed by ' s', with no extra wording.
1 h 46 min
